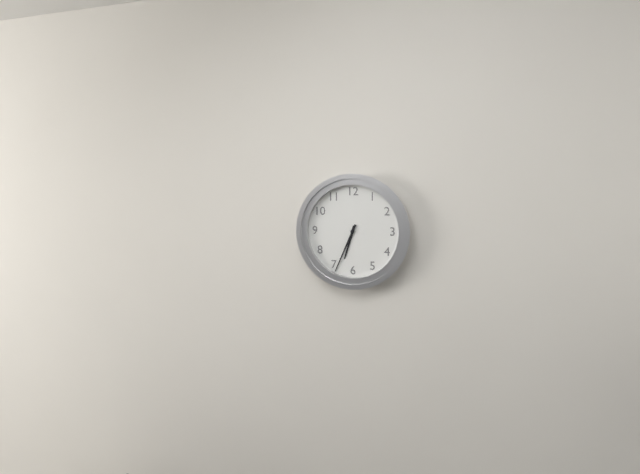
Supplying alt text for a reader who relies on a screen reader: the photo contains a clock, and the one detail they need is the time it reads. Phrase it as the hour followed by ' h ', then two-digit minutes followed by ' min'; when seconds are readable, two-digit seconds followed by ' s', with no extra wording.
6 h 34 min
